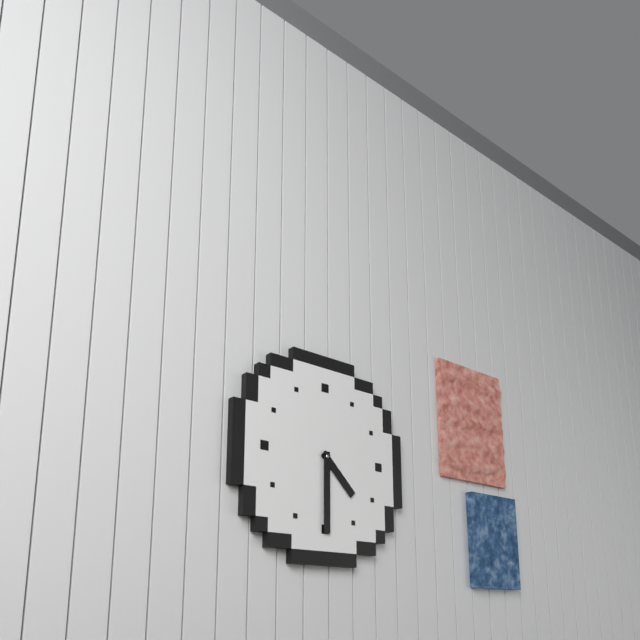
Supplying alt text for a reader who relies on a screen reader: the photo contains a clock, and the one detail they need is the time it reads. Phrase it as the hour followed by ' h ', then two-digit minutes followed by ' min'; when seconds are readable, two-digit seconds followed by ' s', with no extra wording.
4 h 30 min
